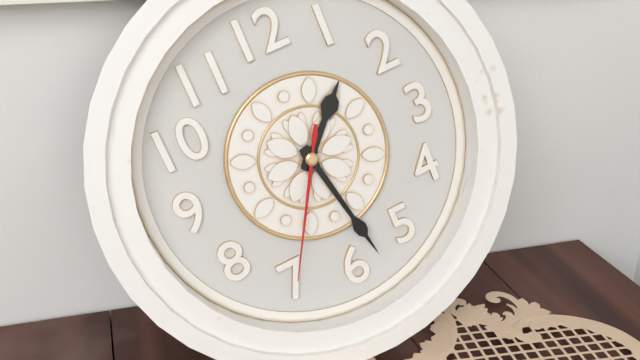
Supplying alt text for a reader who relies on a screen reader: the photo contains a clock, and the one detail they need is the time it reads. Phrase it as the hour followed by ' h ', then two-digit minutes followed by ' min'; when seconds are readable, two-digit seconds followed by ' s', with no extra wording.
1 h 28 min 35 s
